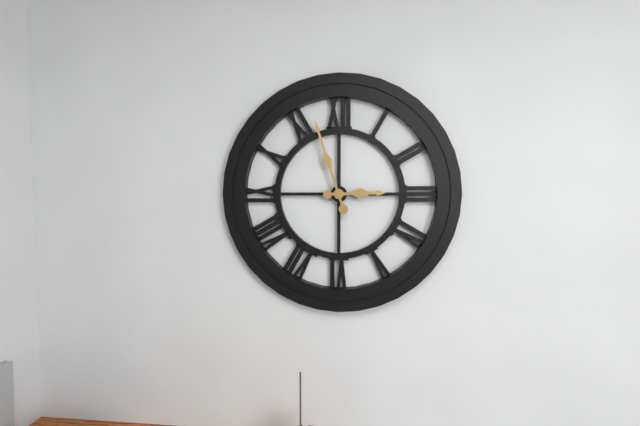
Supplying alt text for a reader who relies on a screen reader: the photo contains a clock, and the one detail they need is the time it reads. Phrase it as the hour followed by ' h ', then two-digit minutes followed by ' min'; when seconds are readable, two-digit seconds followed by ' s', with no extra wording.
2 h 57 min
